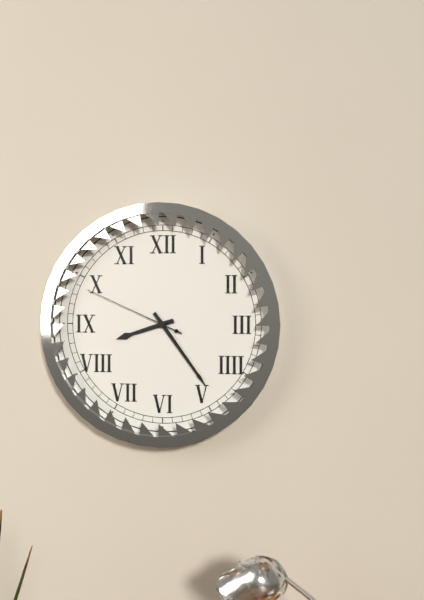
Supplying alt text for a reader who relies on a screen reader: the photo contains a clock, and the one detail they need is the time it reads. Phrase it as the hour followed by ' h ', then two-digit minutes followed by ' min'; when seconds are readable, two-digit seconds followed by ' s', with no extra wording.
8 h 24 min 49 s
